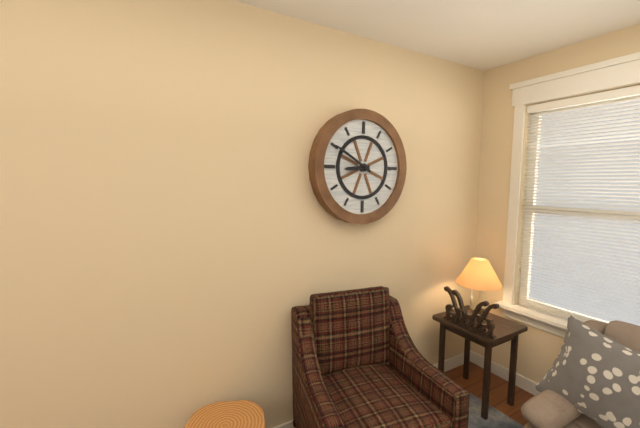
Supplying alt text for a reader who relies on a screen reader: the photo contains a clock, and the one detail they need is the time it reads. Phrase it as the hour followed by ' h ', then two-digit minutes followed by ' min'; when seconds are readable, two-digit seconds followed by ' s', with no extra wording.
8 h 50 min
